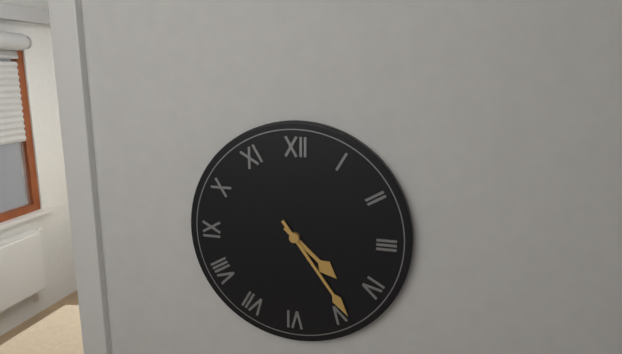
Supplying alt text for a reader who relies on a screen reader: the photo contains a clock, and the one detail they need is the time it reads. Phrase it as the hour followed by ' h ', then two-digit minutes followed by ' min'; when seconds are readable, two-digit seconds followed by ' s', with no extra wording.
4 h 24 min
